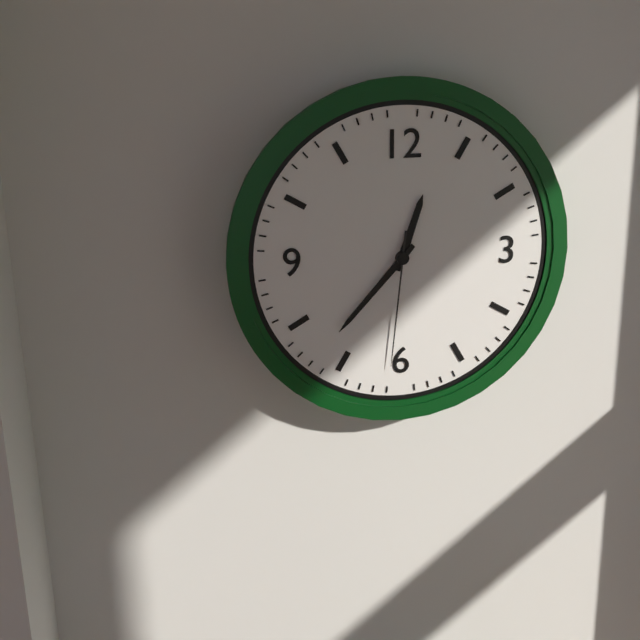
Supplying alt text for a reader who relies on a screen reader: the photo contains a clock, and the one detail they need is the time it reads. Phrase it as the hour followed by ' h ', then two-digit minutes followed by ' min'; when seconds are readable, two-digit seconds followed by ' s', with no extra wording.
12 h 37 min 31 s
